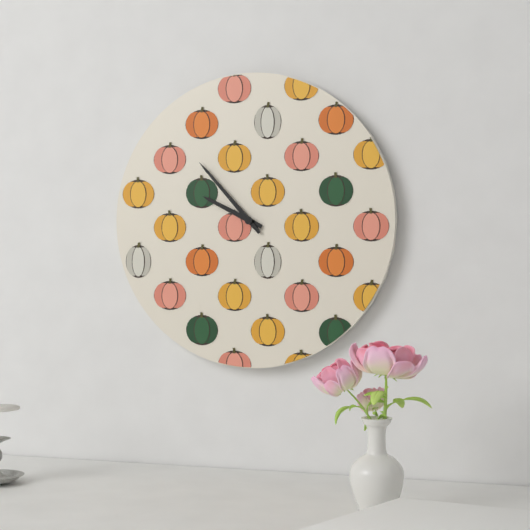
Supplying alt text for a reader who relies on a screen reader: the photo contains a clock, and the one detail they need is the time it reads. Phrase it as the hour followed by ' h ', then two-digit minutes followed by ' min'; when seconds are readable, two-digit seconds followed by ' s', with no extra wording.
9 h 53 min
